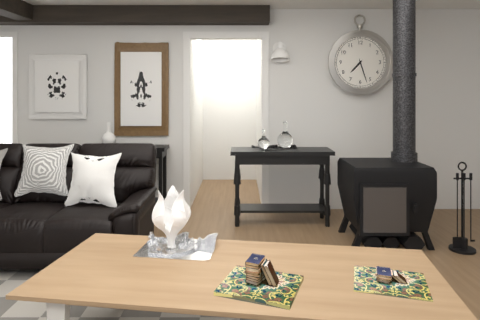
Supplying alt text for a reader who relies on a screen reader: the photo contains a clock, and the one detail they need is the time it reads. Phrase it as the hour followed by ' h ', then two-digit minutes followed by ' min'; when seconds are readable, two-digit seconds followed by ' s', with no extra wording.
7 h 27 min
